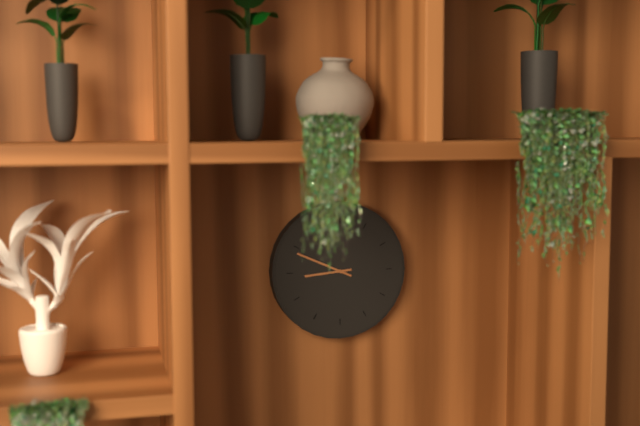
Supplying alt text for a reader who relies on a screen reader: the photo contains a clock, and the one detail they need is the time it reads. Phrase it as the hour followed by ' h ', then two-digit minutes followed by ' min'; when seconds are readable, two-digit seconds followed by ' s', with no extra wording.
8 h 49 min
